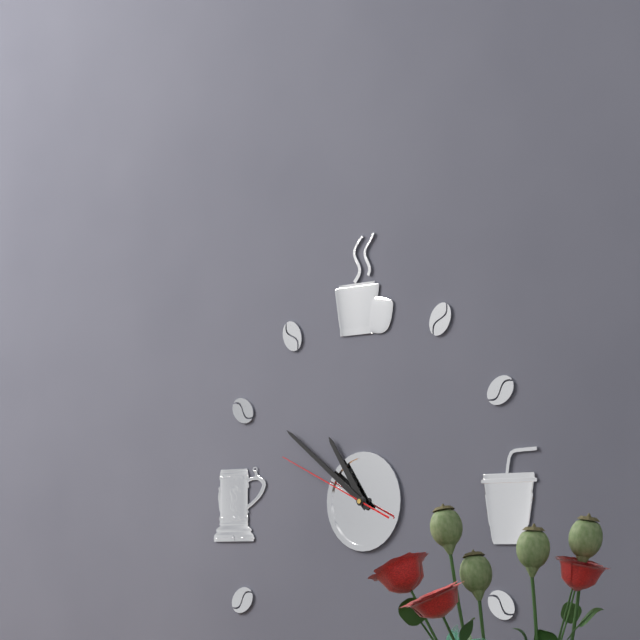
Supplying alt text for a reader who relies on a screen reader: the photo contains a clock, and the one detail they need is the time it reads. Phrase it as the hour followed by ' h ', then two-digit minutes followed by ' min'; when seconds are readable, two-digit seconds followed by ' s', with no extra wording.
10 h 51 min 49 s
